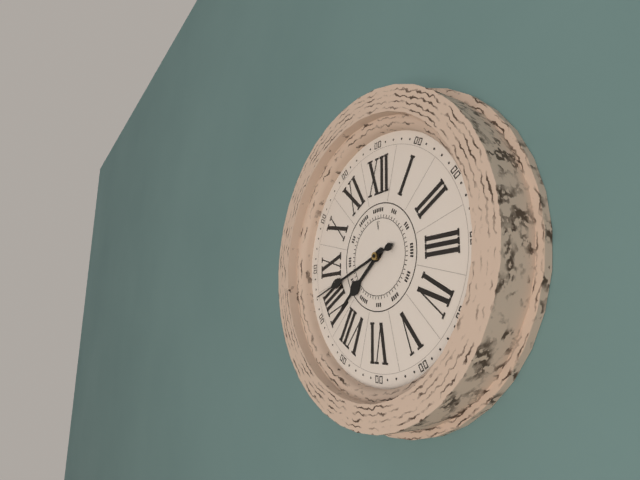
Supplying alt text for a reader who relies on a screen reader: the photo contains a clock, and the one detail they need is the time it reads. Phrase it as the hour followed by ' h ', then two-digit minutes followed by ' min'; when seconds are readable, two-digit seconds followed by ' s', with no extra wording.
7 h 42 min
